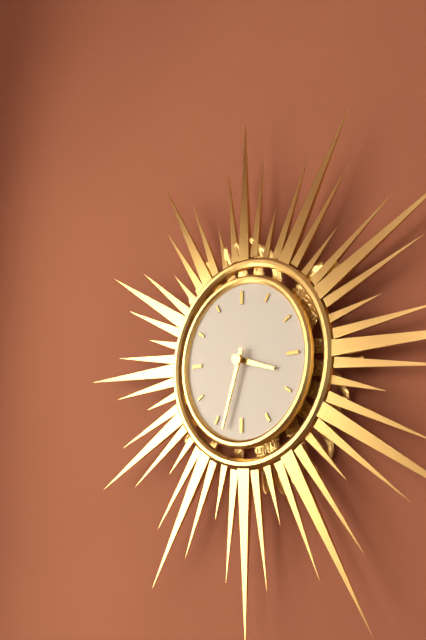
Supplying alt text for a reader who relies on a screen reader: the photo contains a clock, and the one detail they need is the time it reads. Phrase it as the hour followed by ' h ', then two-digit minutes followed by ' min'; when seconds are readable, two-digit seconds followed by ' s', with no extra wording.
3 h 33 min
